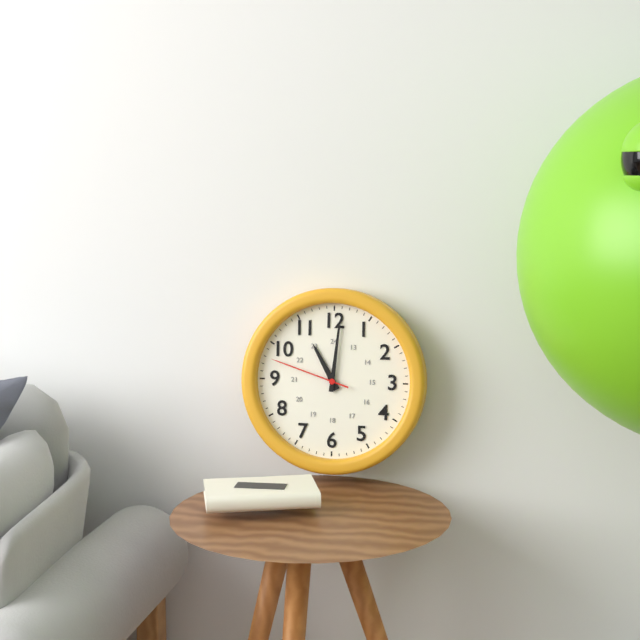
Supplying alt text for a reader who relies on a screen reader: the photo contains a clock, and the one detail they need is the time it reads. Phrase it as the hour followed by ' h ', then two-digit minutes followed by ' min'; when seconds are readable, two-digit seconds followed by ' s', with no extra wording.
11 h 01 min 48 s
